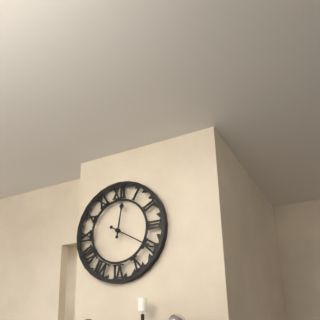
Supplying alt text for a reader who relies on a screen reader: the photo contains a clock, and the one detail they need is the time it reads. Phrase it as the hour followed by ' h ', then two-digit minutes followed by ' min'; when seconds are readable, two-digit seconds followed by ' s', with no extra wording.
12 h 20 min
